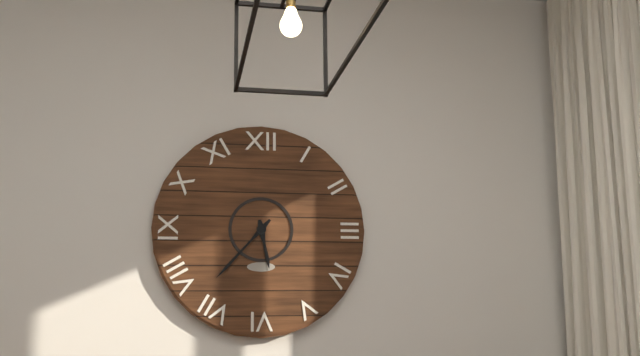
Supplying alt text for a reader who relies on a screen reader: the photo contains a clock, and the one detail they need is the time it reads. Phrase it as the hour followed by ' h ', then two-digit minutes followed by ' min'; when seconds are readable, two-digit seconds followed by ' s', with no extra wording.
5 h 37 min
